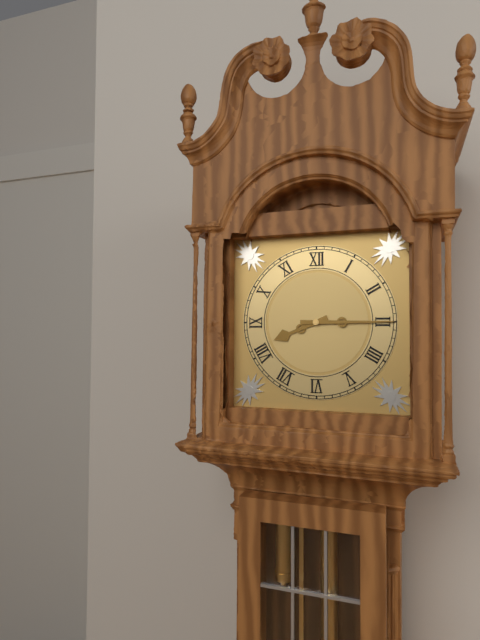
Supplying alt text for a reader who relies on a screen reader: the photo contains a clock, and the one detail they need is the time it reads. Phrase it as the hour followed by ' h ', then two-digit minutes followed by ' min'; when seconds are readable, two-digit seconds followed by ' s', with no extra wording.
8 h 15 min
